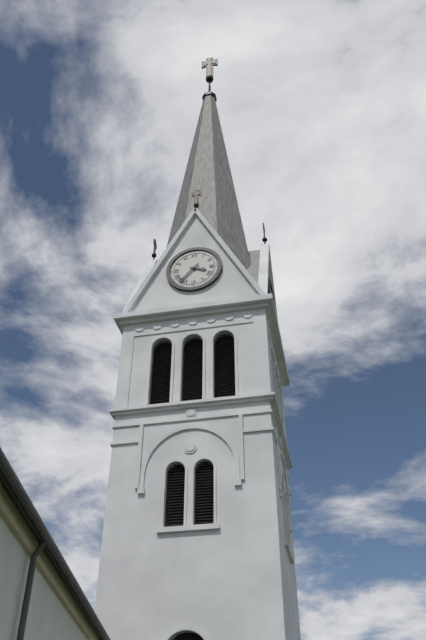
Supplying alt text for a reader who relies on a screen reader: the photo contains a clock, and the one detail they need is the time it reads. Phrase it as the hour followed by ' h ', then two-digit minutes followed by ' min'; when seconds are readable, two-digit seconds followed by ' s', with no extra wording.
3 h 37 min
